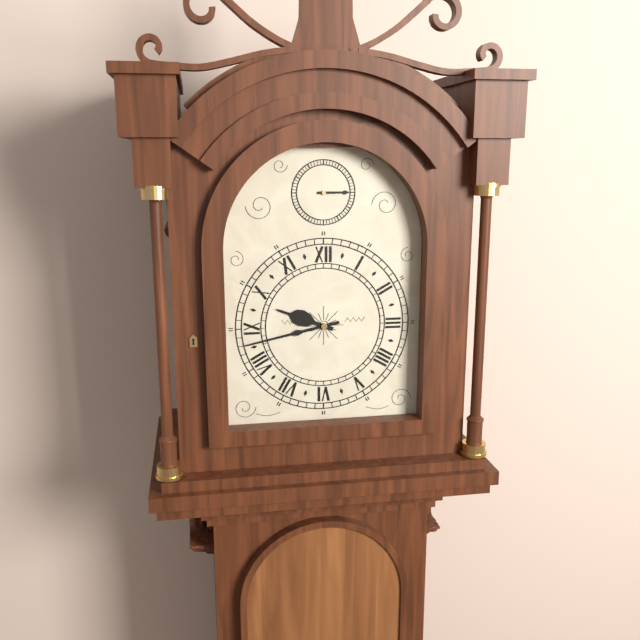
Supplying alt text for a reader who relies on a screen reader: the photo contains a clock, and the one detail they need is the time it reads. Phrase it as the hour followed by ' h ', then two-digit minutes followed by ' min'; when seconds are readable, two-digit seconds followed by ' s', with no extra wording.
9 h 43 min
